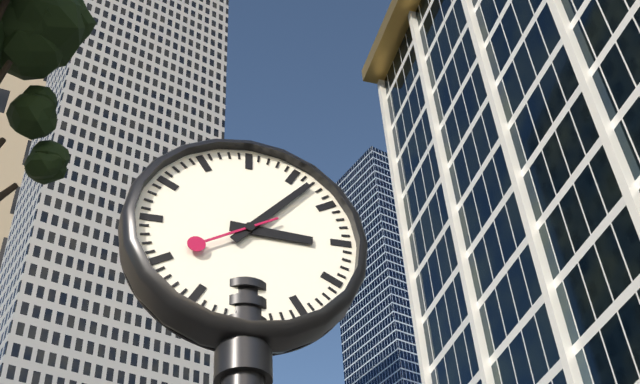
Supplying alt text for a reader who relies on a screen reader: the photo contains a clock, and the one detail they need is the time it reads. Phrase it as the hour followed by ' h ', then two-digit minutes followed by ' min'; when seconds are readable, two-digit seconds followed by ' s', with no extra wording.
3 h 07 min 40 s
